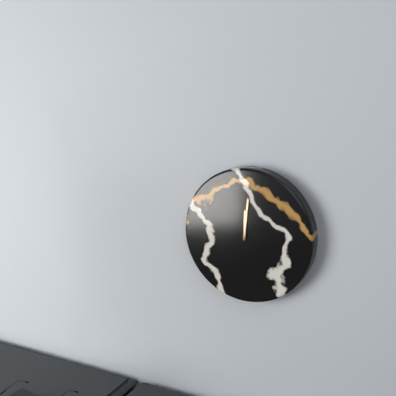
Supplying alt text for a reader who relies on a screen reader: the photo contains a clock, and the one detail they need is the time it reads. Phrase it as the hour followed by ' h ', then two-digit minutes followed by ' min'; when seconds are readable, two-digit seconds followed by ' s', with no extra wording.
12 h 01 min
